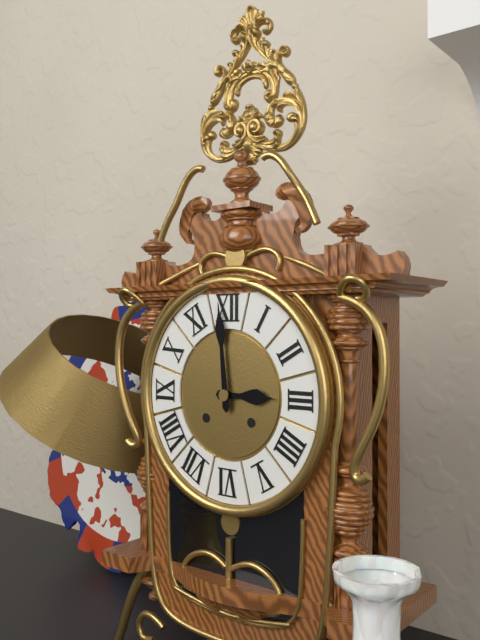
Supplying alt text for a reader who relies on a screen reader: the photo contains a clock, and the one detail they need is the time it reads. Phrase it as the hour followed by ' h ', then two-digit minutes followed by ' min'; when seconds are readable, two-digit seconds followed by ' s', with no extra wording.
2 h 59 min
